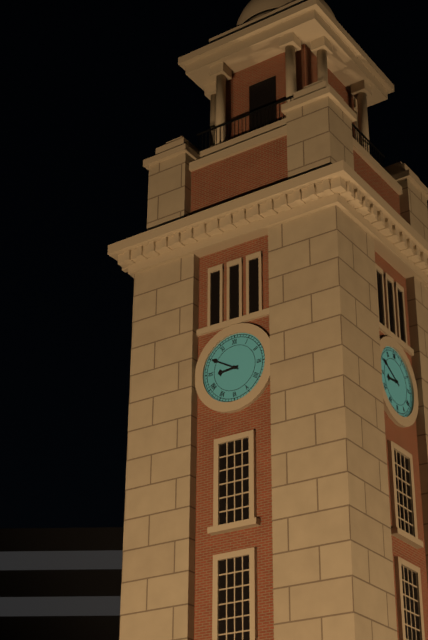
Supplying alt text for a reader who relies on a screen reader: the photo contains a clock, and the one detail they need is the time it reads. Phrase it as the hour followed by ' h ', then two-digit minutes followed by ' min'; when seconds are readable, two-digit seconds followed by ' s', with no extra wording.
8 h 50 min
